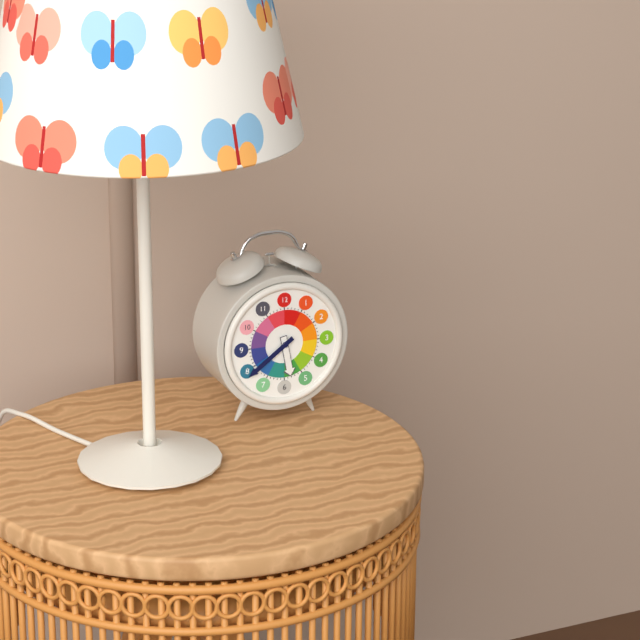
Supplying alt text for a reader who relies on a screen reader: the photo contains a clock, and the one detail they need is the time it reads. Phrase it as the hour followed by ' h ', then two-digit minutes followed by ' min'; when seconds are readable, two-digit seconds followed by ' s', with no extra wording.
5 h 39 min
